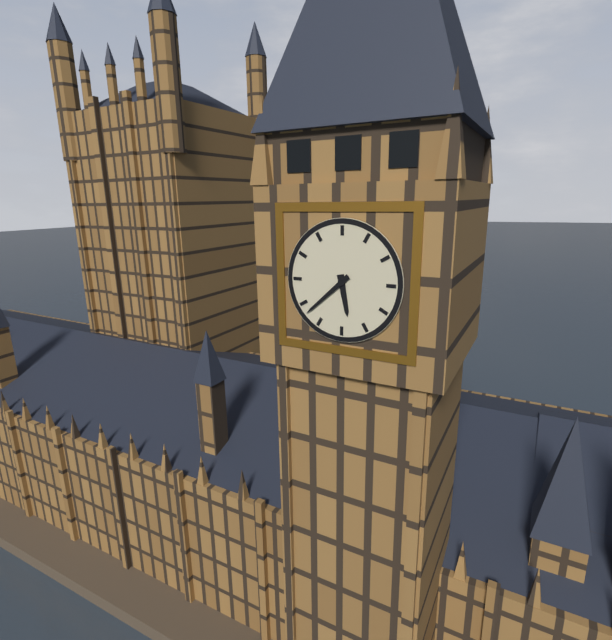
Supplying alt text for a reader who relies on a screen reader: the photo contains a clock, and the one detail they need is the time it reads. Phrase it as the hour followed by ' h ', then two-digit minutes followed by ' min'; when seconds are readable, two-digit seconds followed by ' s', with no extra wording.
5 h 38 min
